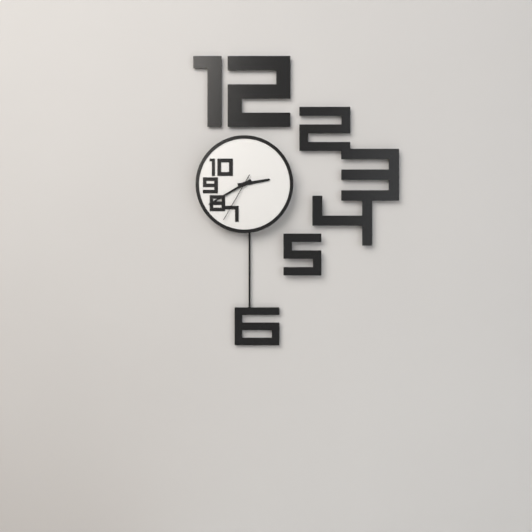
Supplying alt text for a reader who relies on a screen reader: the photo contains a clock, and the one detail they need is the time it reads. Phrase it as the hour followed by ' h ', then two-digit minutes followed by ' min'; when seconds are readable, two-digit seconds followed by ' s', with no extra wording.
2 h 40 min 35 s
